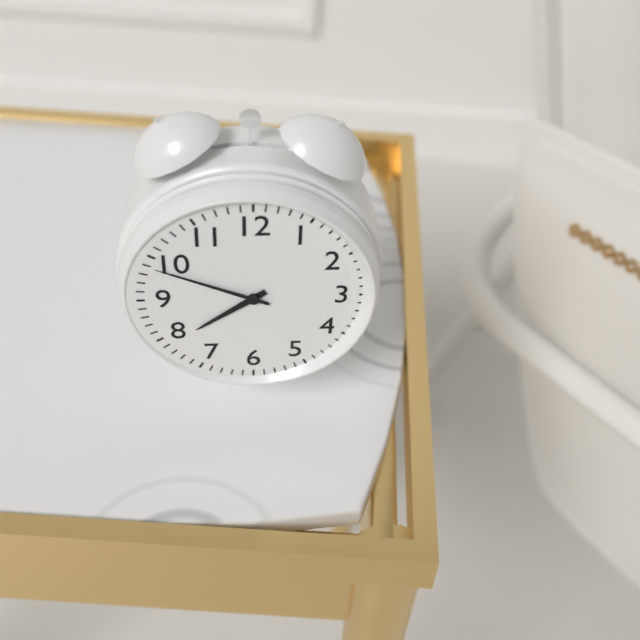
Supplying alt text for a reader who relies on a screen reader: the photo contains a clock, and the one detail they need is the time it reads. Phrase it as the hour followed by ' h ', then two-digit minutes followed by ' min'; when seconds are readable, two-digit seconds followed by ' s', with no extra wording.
7 h 49 min
